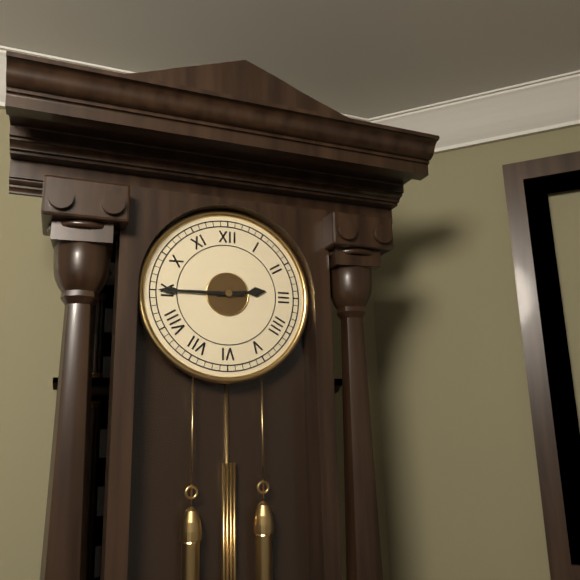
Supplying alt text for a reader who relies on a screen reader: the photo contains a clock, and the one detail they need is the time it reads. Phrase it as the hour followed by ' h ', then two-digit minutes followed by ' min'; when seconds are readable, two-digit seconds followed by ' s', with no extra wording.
2 h 45 min
